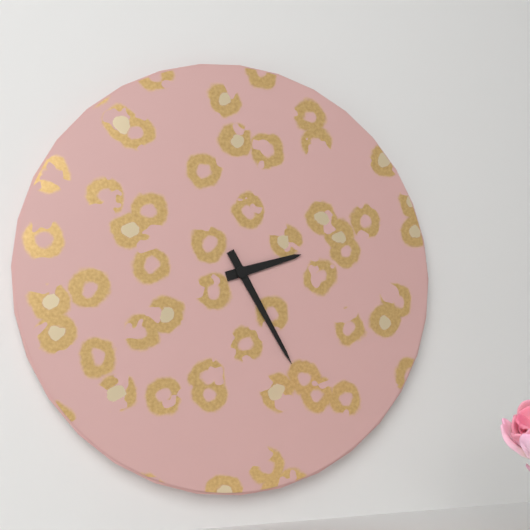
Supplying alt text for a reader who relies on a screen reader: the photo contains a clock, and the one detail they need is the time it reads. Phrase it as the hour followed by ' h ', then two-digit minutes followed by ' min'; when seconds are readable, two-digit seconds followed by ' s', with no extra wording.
2 h 25 min
